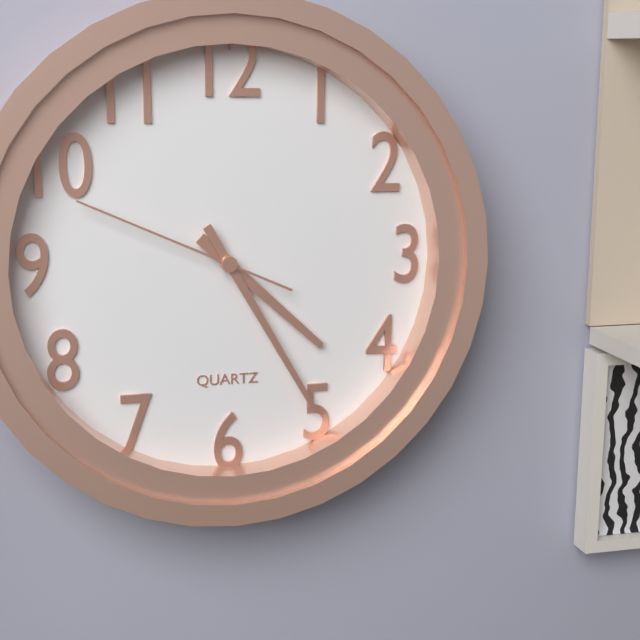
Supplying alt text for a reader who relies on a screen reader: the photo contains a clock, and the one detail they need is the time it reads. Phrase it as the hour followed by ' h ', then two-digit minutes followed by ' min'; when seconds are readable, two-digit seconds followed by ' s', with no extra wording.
4 h 25 min 49 s
